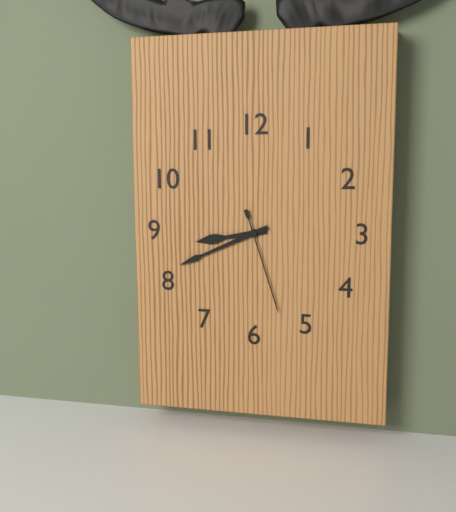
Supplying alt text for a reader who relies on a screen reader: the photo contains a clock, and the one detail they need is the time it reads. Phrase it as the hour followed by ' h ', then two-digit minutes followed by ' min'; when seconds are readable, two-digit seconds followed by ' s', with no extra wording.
8 h 41 min 27 s
